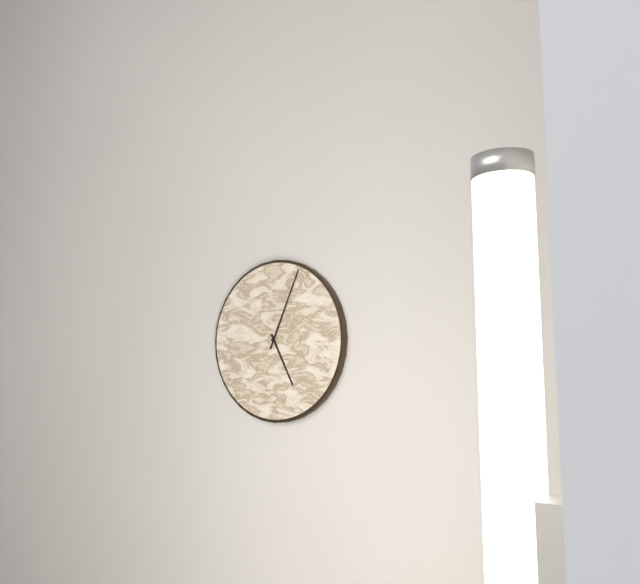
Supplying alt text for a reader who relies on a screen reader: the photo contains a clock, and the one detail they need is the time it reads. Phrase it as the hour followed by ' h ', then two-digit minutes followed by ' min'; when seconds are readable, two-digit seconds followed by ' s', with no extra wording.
5 h 04 min
